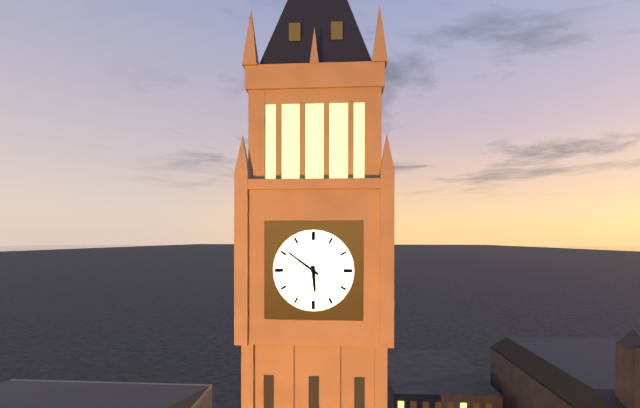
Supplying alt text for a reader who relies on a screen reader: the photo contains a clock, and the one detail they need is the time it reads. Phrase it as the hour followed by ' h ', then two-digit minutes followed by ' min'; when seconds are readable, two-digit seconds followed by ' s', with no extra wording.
5 h 51 min
